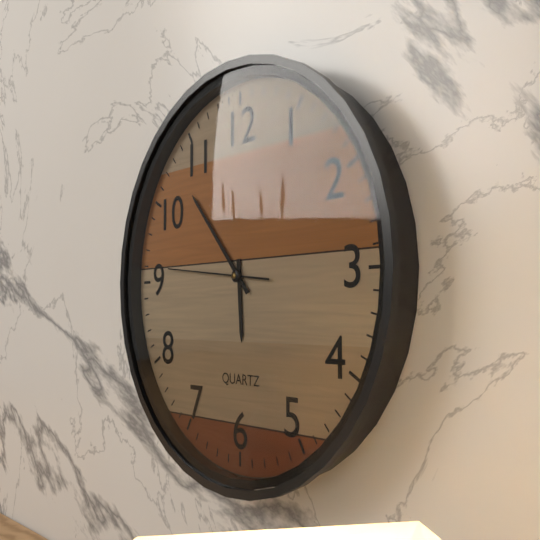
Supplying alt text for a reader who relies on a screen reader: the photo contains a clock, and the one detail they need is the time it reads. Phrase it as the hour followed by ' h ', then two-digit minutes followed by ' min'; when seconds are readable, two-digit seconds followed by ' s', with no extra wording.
5 h 53 min 46 s
